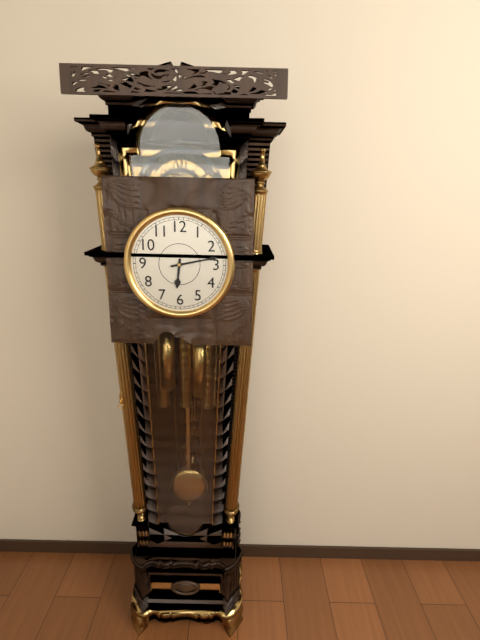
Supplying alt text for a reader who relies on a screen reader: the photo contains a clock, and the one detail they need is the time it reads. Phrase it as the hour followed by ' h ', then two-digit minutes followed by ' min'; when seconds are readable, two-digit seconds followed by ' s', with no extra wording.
6 h 13 min
